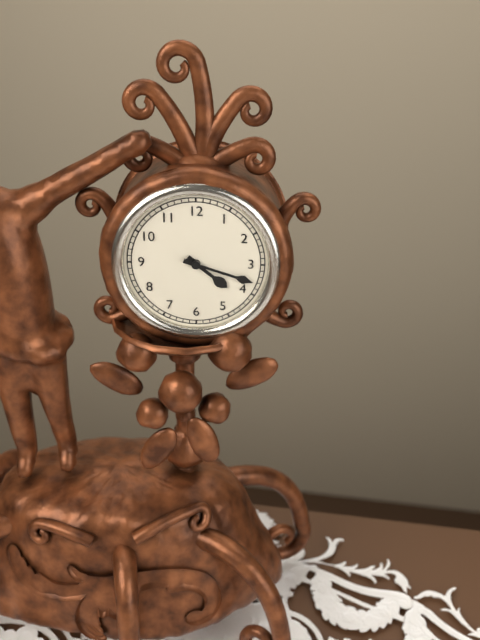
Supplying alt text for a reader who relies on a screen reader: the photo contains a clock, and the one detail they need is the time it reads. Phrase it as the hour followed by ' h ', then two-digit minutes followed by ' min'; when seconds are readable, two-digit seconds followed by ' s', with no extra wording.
4 h 18 min
